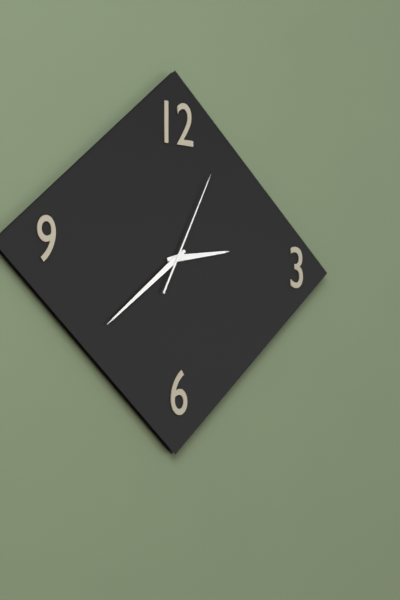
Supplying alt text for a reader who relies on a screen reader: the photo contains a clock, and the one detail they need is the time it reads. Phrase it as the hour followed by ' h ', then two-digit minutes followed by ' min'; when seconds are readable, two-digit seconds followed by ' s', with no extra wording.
2 h 38 min 04 s
